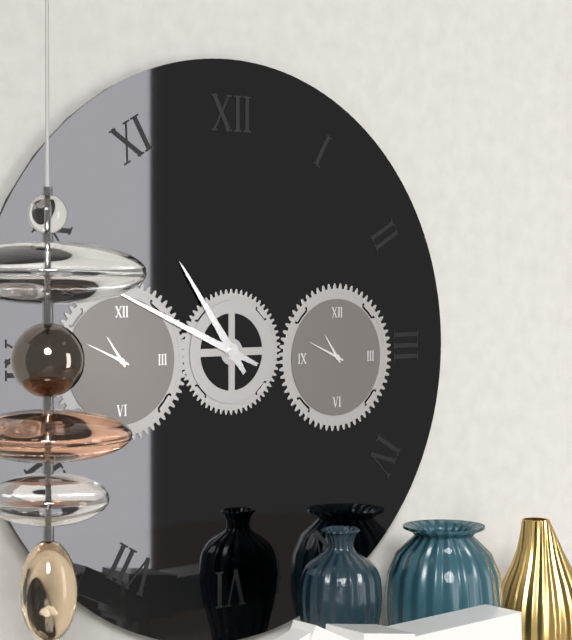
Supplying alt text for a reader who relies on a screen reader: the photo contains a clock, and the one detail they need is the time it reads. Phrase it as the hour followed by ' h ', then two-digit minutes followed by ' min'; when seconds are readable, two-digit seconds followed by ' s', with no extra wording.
10 h 49 min
